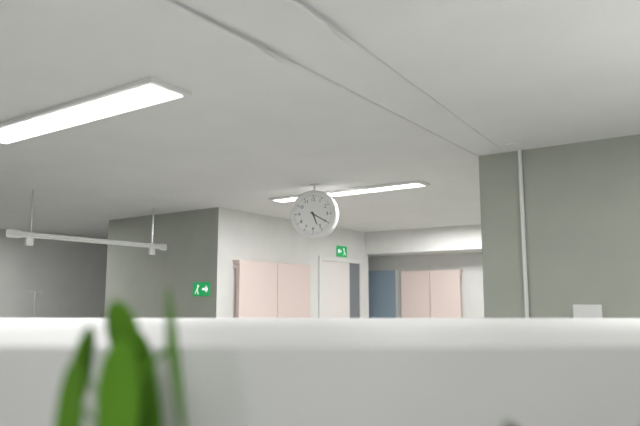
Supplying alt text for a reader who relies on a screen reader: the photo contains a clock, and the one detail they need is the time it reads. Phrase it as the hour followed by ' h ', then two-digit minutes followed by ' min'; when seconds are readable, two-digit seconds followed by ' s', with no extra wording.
5 h 20 min
